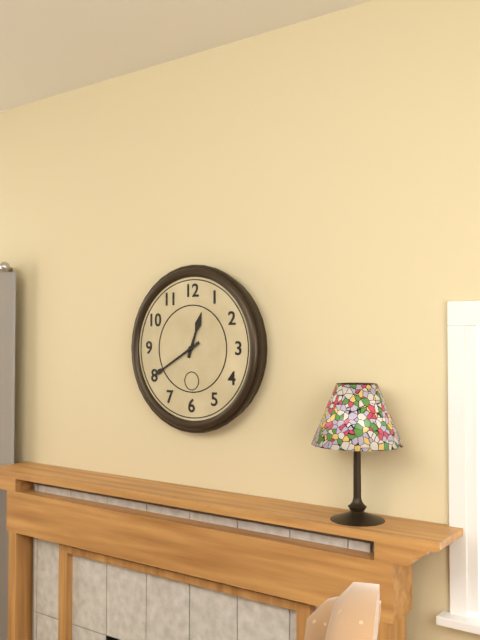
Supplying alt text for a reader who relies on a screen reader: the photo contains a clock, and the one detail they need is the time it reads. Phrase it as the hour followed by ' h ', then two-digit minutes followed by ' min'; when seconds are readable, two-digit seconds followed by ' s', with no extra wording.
12 h 40 min
